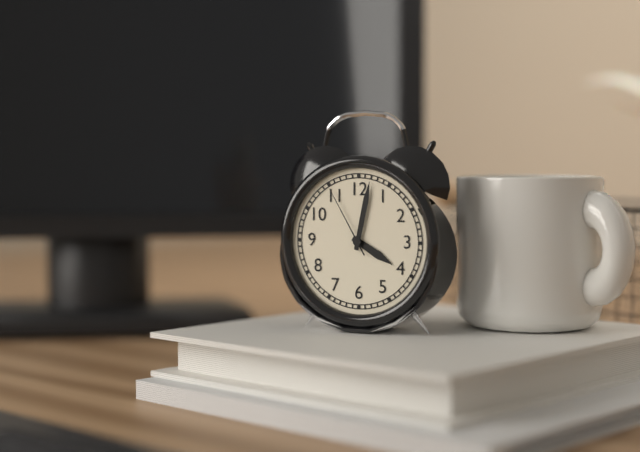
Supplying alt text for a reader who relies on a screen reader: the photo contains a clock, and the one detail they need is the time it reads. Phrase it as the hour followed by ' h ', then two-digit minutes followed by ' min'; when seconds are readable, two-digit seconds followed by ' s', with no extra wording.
4 h 02 min 55 s
